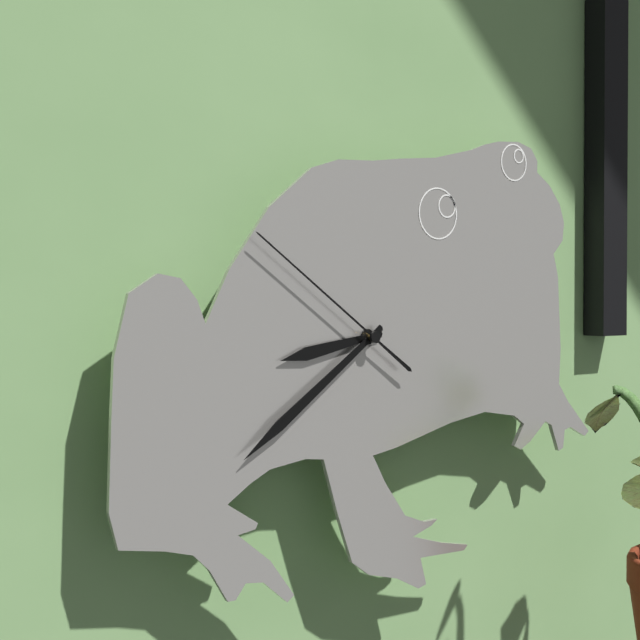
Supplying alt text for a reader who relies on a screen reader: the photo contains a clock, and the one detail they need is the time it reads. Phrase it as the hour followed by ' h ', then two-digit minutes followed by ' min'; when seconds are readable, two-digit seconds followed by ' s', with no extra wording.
8 h 39 min 51 s
